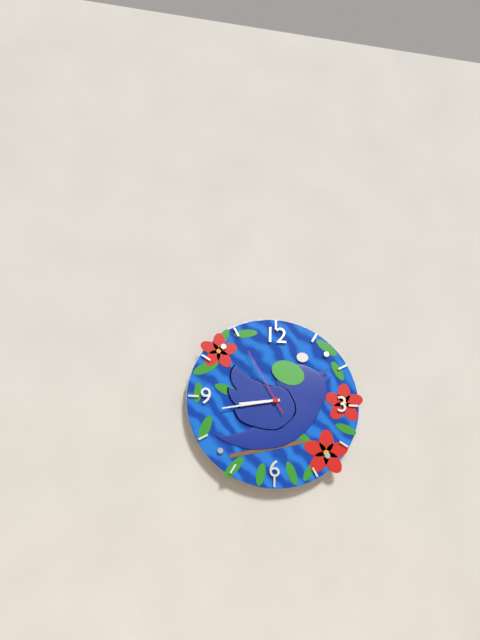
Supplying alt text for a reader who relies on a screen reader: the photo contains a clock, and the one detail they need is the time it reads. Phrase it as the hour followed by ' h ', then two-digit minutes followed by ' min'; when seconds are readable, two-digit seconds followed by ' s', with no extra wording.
8 h 43 min 55 s
